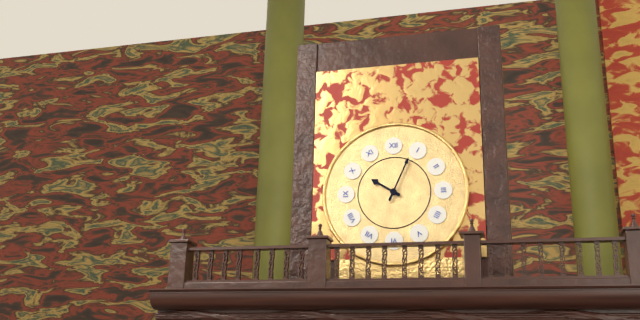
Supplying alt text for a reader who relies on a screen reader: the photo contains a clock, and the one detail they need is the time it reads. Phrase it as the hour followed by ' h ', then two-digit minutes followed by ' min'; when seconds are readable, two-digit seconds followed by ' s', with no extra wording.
10 h 04 min
